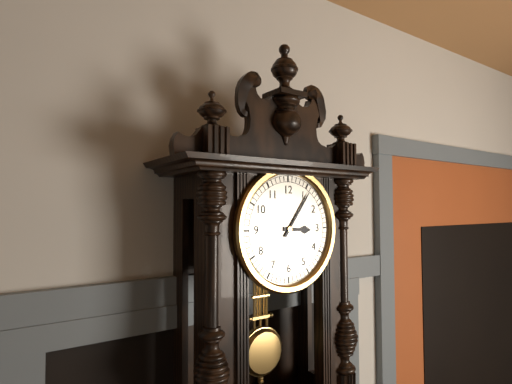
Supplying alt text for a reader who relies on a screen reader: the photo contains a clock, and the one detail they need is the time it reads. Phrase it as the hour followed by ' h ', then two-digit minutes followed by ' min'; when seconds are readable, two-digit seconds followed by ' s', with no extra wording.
3 h 06 min
